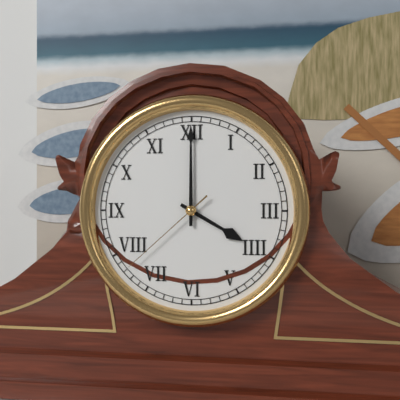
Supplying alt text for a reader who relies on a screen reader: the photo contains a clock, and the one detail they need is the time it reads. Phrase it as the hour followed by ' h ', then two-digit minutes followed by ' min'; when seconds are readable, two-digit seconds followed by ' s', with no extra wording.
4 h 00 min 38 s
